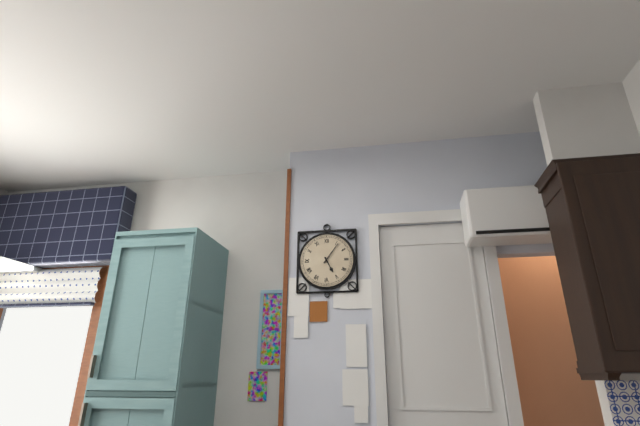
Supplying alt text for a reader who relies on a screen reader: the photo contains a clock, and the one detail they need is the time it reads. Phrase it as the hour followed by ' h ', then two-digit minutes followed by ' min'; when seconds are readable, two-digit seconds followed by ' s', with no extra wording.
5 h 06 min
